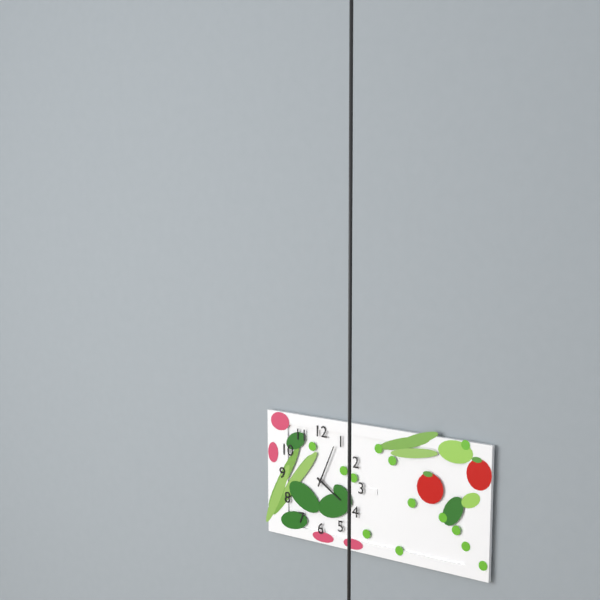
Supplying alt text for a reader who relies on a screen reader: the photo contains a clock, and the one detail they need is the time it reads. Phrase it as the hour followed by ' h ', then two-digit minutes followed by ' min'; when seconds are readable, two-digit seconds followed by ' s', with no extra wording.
4 h 04 min
